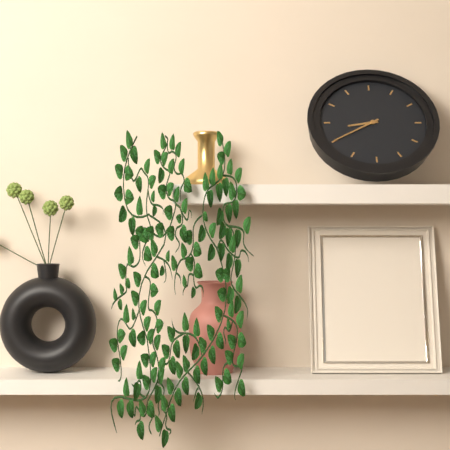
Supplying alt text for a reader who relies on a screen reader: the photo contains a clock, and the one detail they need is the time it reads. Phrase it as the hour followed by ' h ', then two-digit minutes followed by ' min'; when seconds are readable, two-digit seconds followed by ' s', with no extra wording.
8 h 40 min
